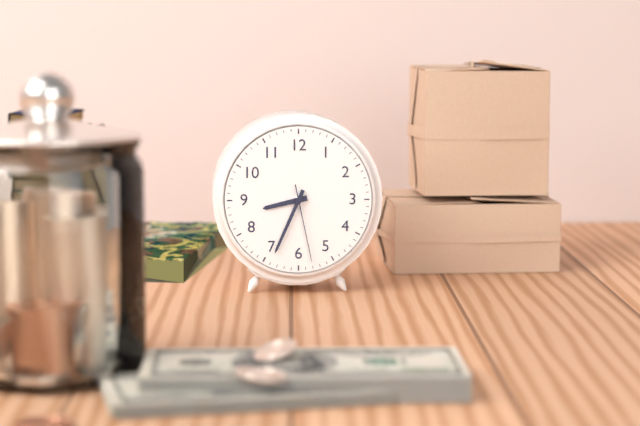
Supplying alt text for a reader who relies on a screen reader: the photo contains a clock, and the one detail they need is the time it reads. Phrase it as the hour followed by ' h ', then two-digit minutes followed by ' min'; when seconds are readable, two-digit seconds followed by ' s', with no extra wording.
8 h 34 min 28 s
